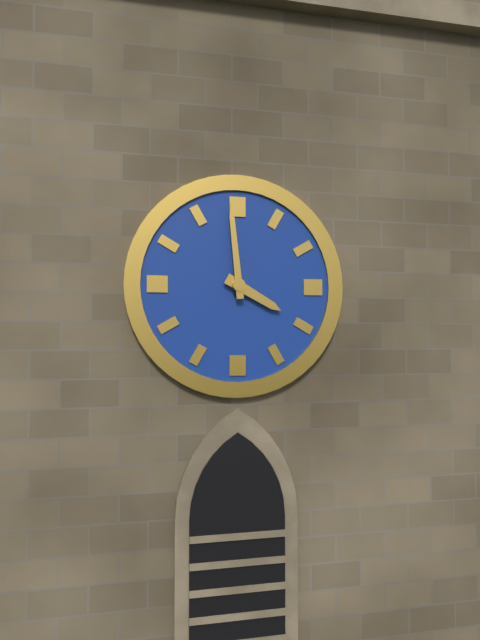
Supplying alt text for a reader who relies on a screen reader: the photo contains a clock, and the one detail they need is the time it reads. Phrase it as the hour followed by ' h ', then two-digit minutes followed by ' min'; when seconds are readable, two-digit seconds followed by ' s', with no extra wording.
3 h 59 min
